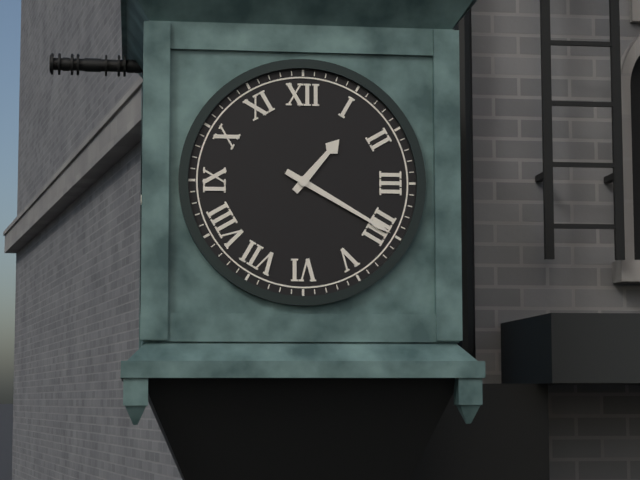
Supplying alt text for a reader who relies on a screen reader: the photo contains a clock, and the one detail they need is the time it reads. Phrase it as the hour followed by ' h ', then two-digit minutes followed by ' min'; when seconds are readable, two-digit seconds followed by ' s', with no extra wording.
1 h 20 min
